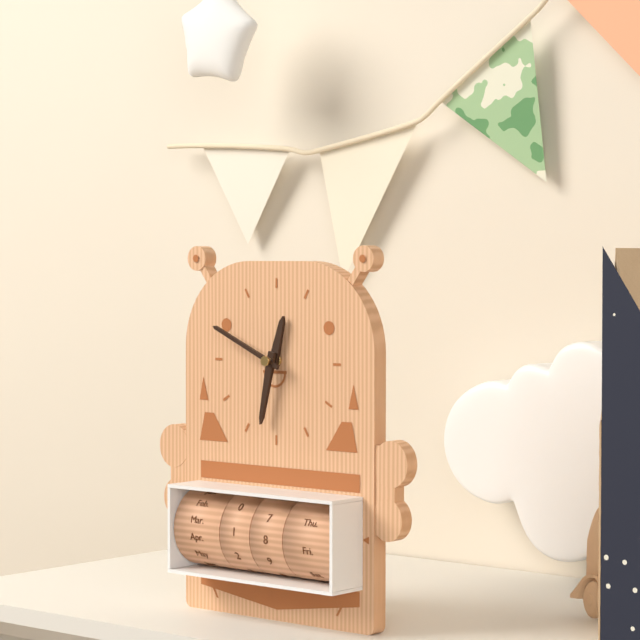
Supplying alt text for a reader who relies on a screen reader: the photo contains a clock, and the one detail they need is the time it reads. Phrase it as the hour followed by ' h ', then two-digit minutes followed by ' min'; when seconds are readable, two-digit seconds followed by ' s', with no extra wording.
12 h 32 min 49 s
